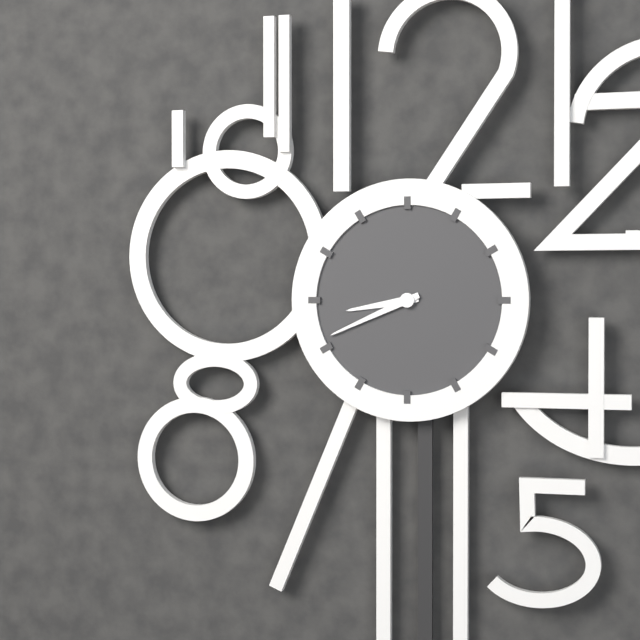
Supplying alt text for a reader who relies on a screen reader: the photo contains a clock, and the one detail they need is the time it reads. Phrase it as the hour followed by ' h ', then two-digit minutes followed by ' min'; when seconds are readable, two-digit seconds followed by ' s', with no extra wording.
8 h 41 min
